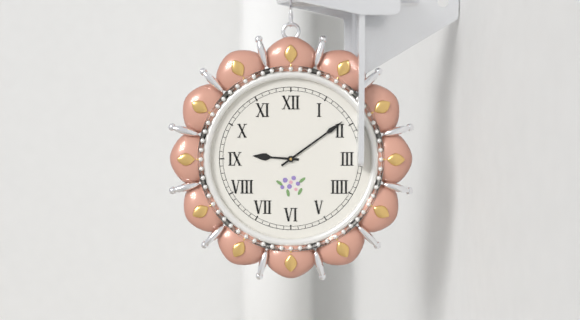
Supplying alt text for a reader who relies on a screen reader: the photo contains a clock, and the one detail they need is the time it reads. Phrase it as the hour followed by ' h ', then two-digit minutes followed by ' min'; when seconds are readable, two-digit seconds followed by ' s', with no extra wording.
9 h 09 min
